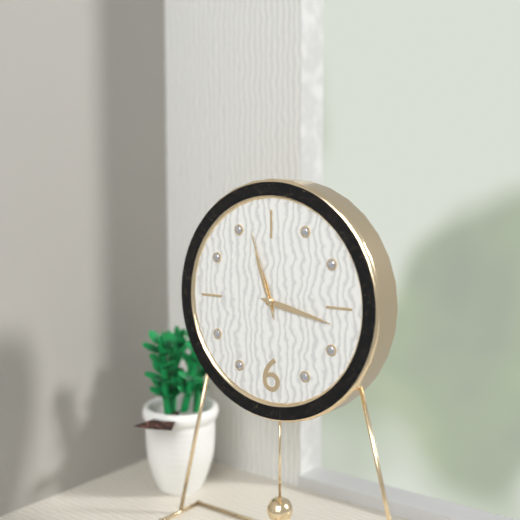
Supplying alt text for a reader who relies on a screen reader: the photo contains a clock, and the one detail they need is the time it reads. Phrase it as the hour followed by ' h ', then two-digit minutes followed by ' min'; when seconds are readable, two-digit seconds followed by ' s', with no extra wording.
11 h 17 min 57 s
